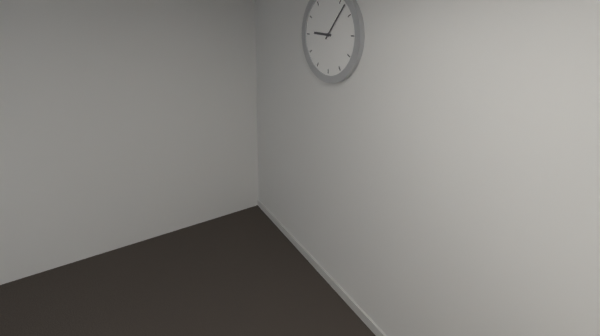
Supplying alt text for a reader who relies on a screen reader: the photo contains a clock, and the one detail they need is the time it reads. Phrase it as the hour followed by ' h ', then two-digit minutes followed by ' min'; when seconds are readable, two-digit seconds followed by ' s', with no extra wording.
9 h 07 min
